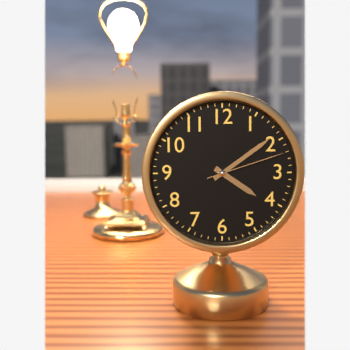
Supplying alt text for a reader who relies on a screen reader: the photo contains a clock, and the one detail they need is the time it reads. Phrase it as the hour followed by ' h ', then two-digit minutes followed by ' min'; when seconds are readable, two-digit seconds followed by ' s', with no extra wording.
4 h 09 min 12 s
